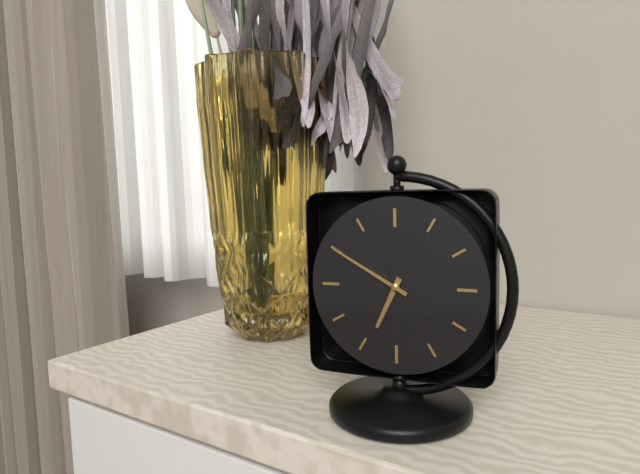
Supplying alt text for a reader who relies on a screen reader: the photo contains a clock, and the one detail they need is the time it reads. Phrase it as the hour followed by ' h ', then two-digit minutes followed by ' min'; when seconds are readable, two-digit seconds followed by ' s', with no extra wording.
6 h 50 min
